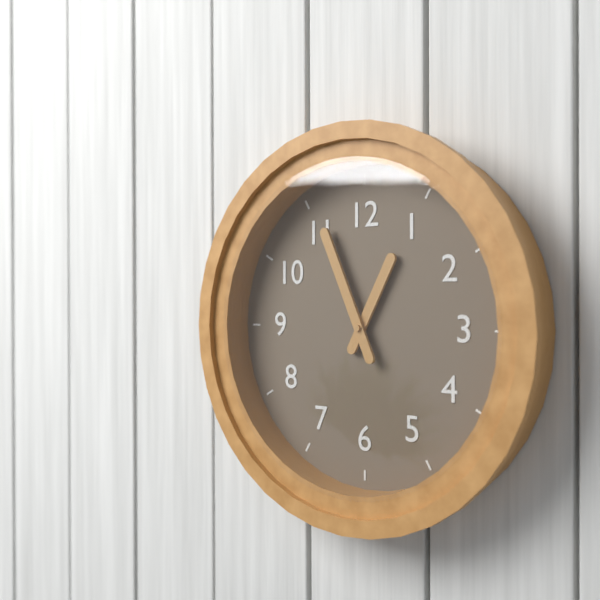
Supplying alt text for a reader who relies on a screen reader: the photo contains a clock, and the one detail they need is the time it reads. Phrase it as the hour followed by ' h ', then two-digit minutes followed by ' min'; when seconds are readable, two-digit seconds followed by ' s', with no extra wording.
12 h 56 min
